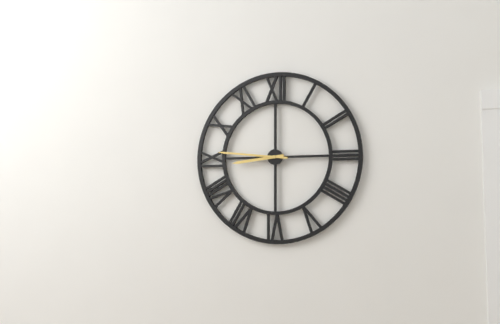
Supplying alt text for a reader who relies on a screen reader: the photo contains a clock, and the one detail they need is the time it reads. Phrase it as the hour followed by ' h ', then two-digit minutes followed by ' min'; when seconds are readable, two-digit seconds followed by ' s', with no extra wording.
8 h 46 min
